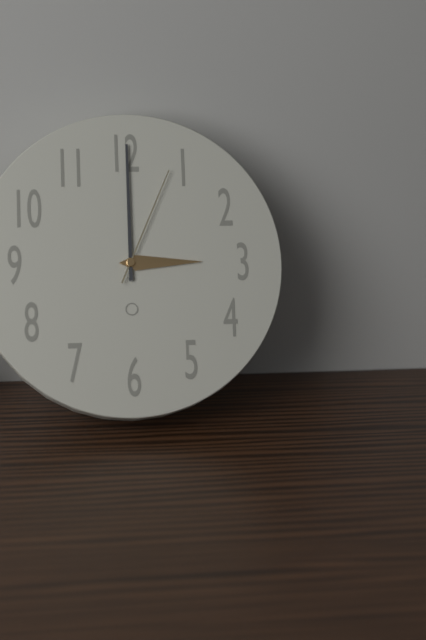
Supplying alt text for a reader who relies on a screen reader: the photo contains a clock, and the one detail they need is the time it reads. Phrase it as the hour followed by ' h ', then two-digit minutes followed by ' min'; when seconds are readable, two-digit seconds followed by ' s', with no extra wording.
3 h 00 min 04 s
